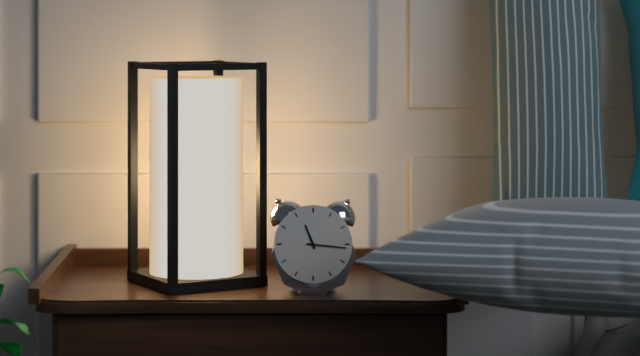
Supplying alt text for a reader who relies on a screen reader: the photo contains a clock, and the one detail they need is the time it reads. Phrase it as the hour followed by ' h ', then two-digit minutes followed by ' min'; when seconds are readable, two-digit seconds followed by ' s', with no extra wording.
11 h 16 min
